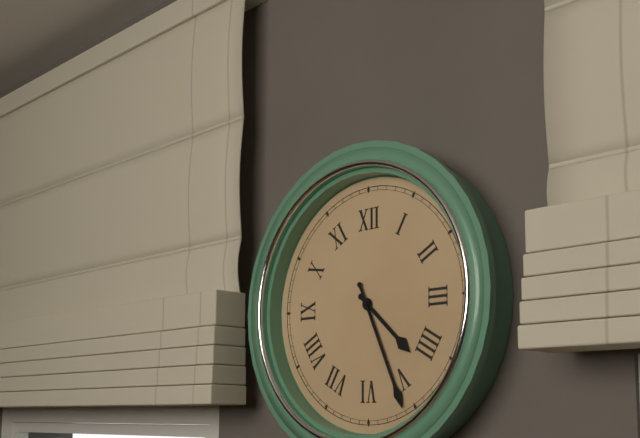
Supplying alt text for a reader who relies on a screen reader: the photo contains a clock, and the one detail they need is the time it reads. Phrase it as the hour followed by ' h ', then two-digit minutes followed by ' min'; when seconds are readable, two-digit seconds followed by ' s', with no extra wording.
4 h 26 min
